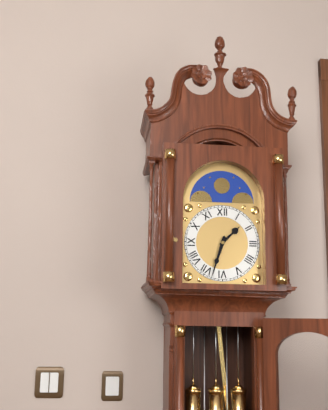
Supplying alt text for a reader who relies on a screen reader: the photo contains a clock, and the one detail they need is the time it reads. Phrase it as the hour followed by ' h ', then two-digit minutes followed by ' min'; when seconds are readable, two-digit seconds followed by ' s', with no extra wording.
1 h 33 min
